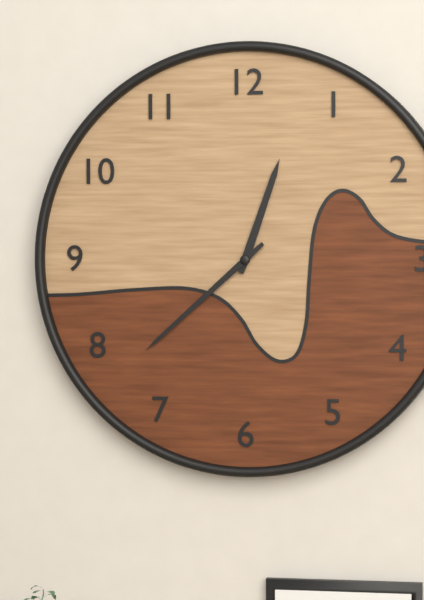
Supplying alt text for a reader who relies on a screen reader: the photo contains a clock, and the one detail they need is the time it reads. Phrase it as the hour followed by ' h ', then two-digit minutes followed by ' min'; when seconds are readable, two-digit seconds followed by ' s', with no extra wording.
12 h 38 min
